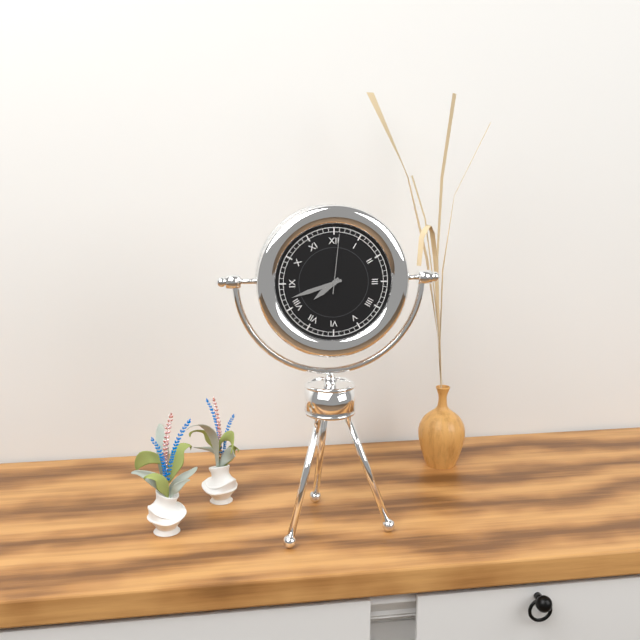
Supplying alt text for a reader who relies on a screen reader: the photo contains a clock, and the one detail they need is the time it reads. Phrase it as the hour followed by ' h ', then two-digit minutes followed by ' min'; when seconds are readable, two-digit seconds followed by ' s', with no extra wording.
7 h 42 min 01 s
